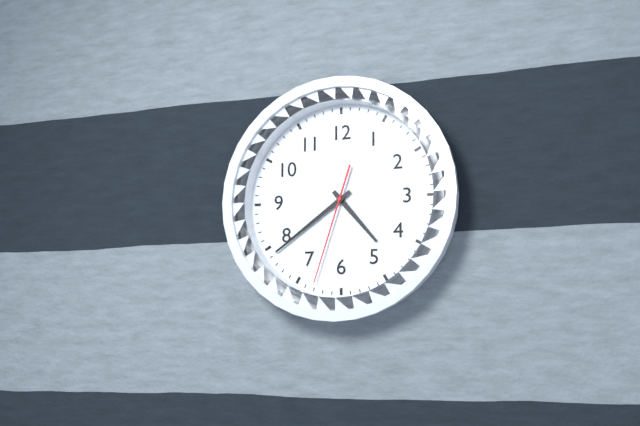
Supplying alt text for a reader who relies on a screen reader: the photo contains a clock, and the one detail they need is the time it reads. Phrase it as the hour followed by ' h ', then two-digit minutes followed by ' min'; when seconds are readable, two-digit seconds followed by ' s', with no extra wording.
4 h 39 min 33 s
